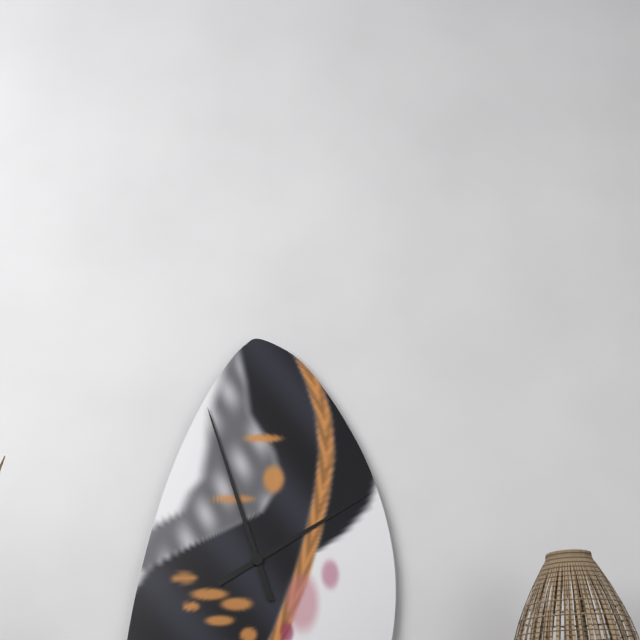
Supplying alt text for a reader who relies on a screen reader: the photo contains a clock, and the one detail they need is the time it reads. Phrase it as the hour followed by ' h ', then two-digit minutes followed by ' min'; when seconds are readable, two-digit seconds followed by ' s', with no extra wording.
1 h 57 min
